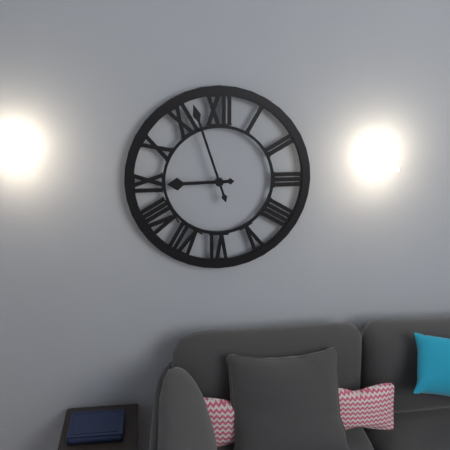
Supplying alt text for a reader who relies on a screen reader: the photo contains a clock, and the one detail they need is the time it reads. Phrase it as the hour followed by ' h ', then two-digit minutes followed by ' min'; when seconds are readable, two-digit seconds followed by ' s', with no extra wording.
8 h 57 min
